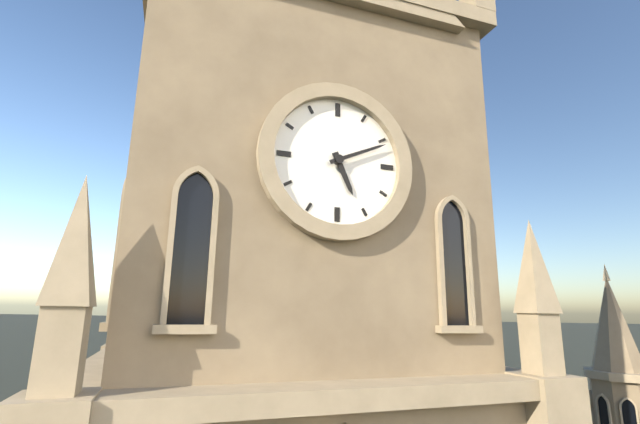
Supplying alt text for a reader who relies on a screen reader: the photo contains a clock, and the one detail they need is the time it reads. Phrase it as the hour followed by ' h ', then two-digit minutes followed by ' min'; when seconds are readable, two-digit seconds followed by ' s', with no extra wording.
5 h 11 min
